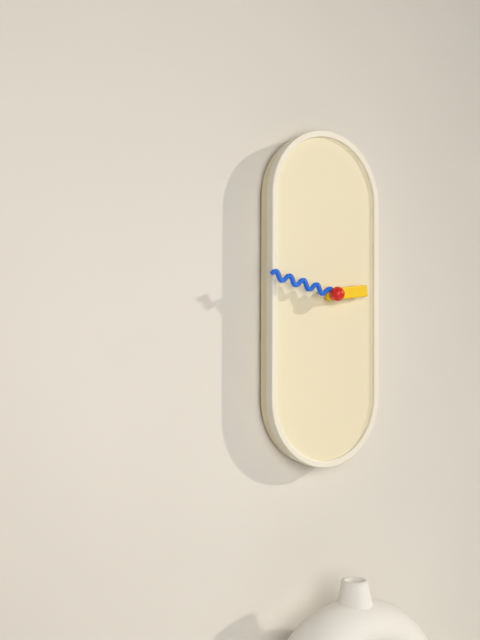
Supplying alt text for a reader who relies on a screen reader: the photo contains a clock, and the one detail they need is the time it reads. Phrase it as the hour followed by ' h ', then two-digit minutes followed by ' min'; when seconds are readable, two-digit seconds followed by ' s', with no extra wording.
2 h 47 min
